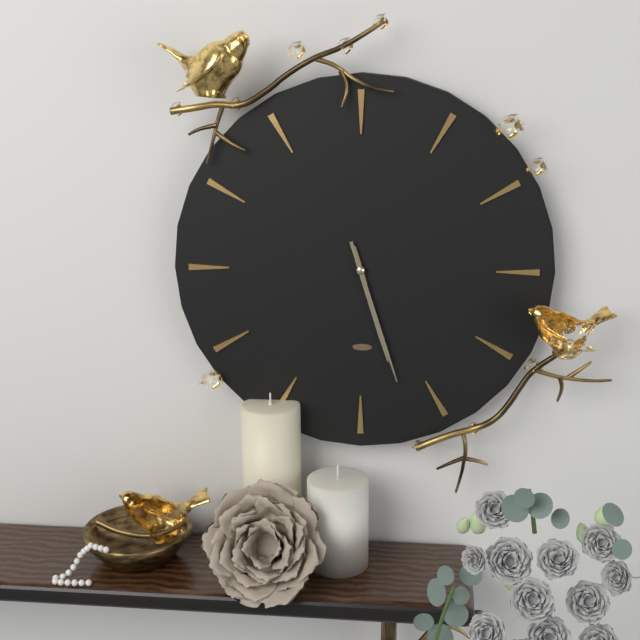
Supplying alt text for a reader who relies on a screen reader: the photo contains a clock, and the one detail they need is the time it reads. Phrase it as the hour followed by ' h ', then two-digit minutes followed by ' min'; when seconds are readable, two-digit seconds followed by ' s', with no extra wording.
5 h 27 min
